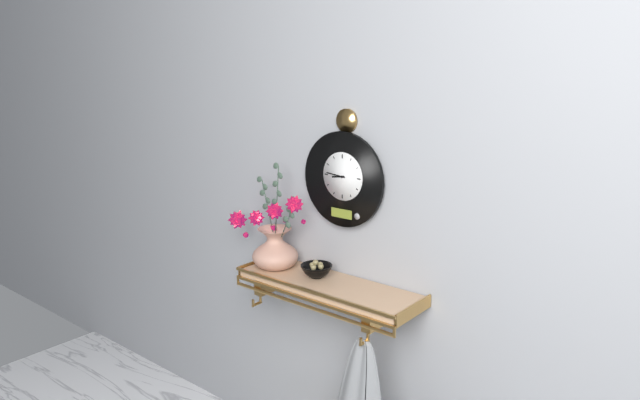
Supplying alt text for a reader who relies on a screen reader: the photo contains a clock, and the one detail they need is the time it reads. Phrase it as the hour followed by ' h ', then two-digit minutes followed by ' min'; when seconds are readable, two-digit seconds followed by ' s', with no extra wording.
8 h 46 min
